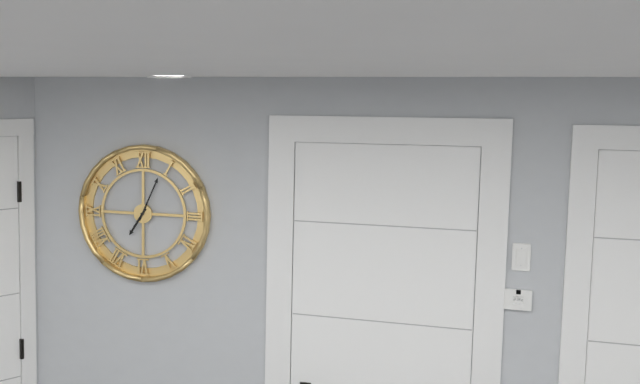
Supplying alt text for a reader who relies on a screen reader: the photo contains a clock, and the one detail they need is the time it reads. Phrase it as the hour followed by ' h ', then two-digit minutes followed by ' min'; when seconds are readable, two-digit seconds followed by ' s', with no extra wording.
7 h 04 min
